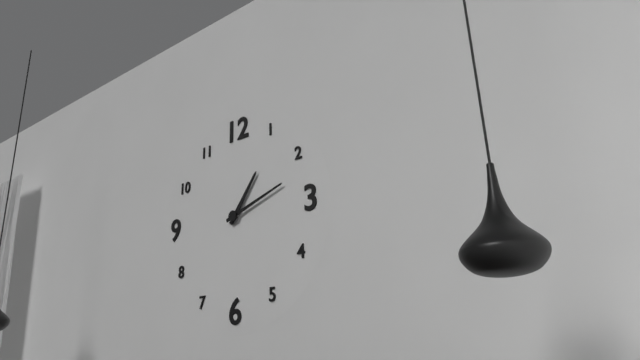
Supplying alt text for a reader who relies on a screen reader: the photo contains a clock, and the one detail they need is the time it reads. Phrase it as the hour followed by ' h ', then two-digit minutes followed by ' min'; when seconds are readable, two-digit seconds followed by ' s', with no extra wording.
1 h 12 min
